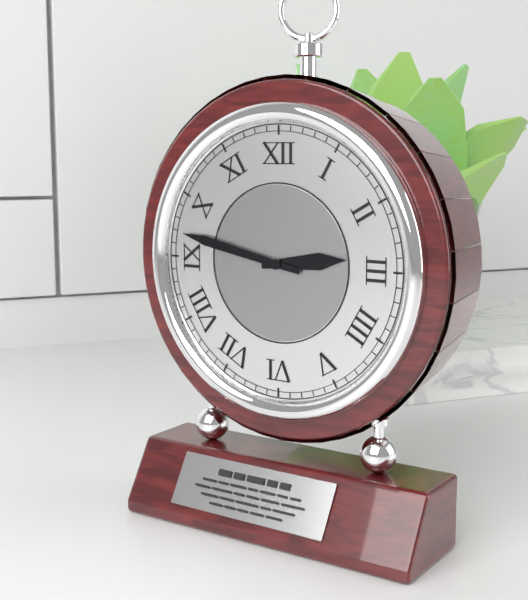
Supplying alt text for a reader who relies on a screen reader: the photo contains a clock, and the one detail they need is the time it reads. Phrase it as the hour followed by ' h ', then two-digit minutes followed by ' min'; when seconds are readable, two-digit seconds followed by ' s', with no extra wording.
2 h 47 min
